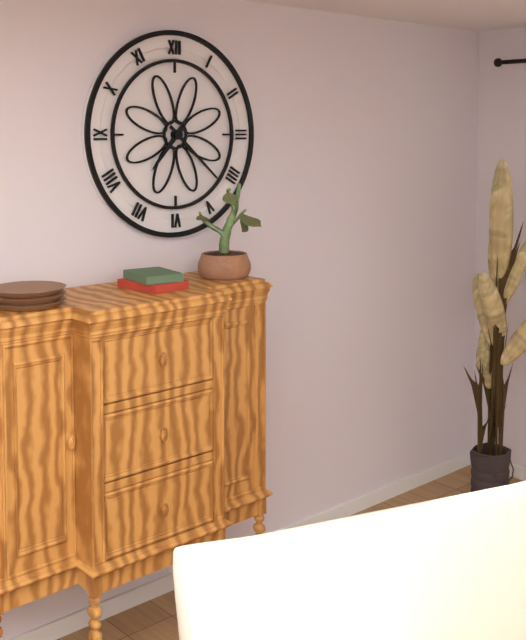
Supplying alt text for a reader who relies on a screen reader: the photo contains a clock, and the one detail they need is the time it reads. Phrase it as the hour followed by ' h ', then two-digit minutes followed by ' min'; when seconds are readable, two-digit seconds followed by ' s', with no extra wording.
7 h 22 min
